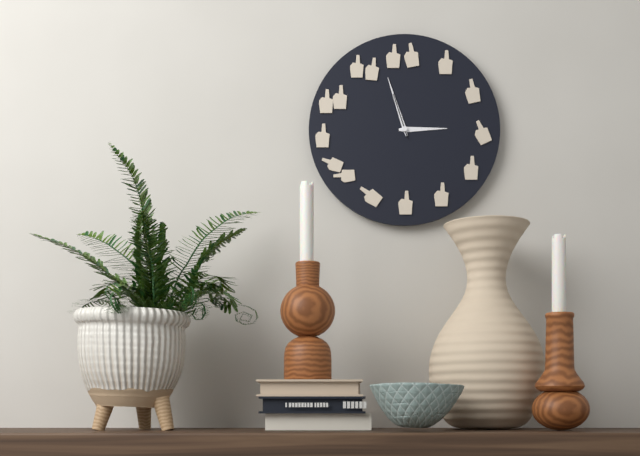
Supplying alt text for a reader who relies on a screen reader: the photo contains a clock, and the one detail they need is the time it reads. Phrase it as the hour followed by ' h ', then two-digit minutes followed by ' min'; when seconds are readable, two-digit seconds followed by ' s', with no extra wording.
2 h 57 min 57 s
